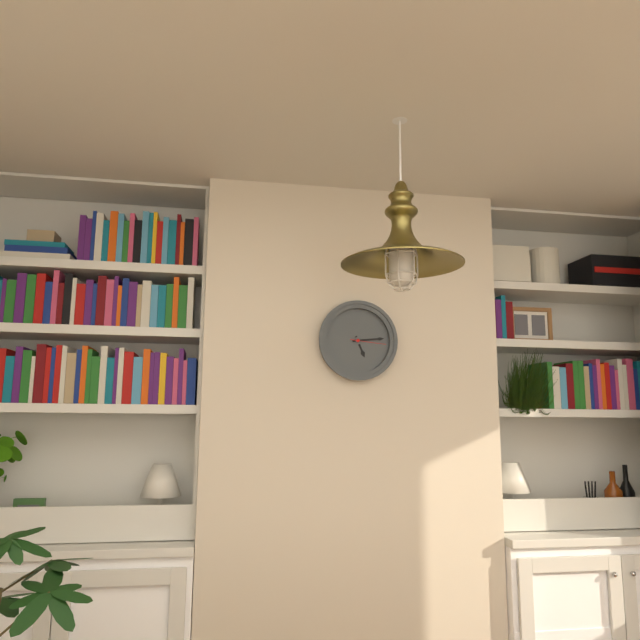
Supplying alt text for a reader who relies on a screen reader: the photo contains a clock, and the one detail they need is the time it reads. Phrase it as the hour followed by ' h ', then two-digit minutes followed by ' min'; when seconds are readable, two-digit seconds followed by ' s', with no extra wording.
5 h 14 min
